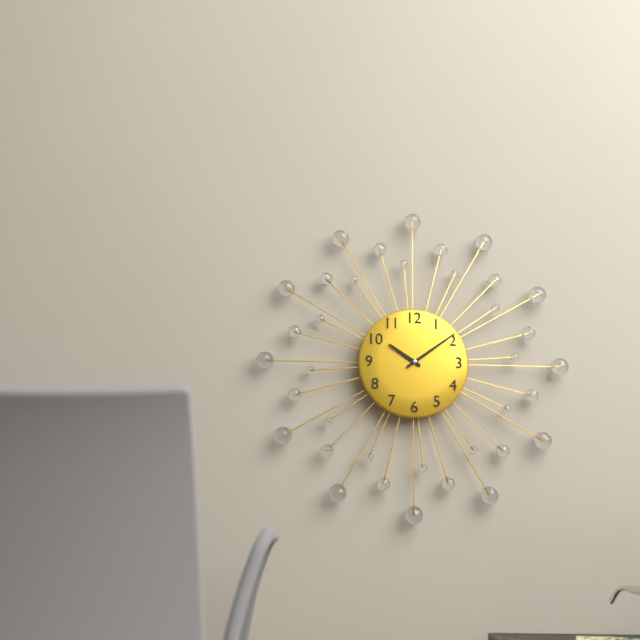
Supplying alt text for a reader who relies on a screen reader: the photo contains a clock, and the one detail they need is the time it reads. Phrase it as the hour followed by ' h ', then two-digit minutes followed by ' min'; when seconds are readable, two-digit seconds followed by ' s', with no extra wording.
10 h 09 min
